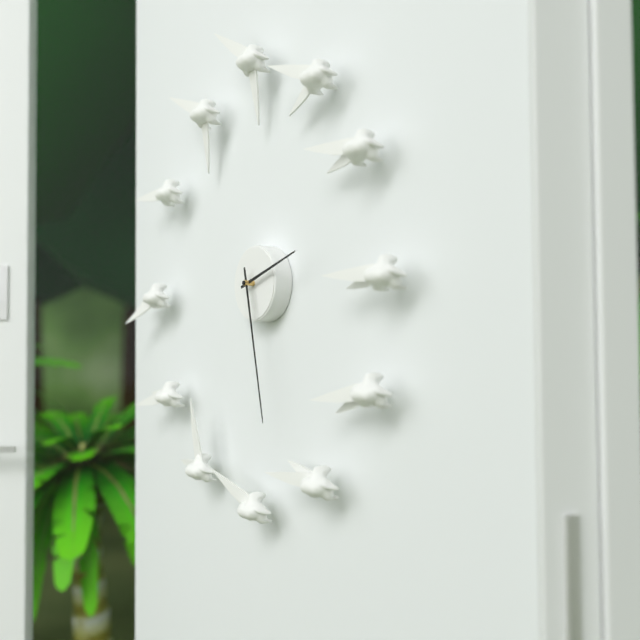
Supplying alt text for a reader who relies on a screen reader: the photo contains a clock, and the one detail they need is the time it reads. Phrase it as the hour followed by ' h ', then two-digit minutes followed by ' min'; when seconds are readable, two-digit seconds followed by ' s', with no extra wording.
2 h 28 min
